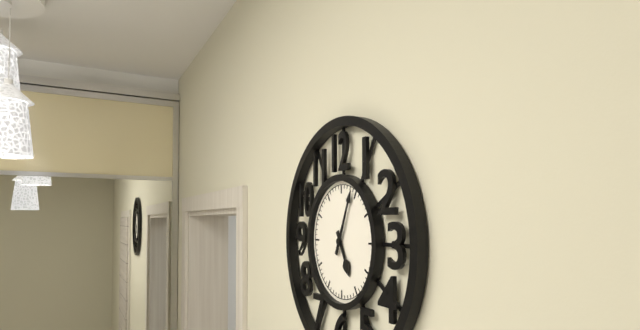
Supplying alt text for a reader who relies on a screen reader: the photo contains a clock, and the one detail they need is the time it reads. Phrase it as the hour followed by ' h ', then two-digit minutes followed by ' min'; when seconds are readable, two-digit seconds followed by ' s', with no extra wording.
5 h 04 min
